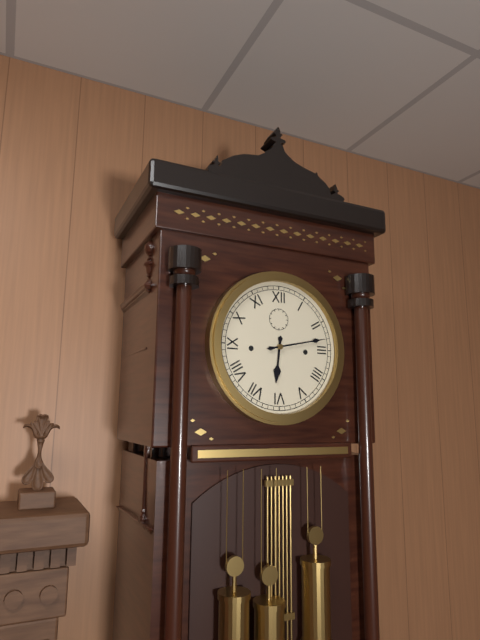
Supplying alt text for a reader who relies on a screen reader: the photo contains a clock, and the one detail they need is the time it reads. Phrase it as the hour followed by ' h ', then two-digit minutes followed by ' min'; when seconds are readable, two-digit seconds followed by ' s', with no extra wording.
6 h 13 min
